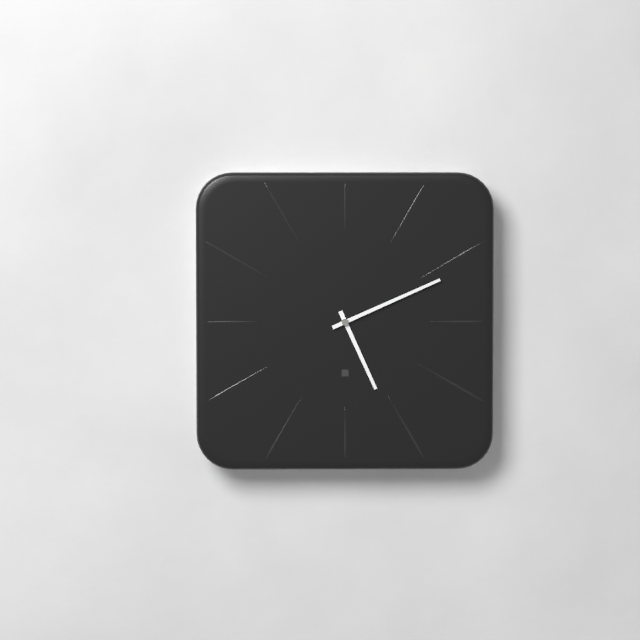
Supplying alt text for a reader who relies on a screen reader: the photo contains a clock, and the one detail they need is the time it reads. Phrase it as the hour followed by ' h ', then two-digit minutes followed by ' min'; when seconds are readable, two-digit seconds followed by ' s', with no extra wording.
5 h 11 min
